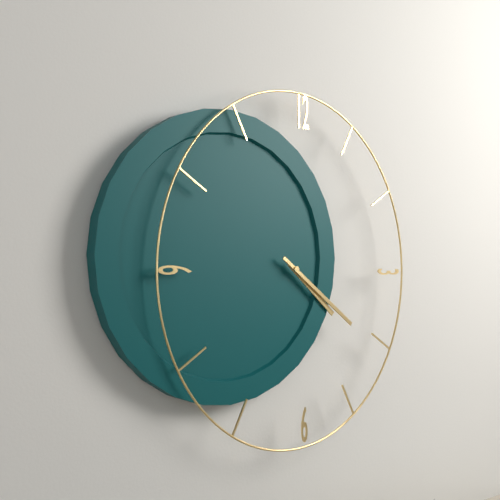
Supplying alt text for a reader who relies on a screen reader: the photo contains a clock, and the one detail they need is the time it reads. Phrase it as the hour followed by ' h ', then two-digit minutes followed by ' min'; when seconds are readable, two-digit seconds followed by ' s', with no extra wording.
4 h 21 min
